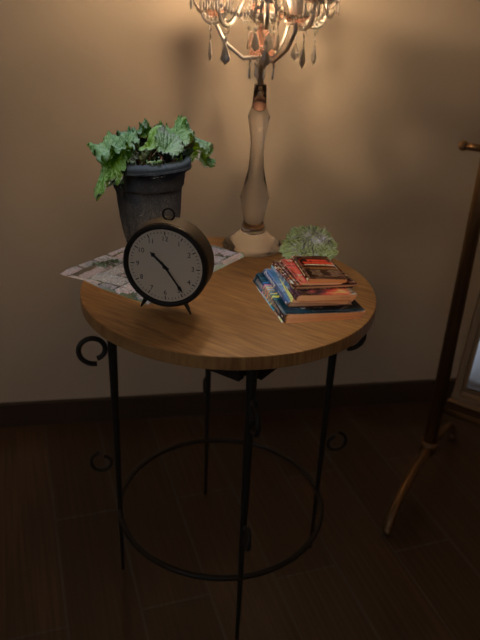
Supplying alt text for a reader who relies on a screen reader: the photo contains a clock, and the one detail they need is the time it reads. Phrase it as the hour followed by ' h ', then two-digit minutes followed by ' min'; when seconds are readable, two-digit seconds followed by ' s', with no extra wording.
10 h 24 min
